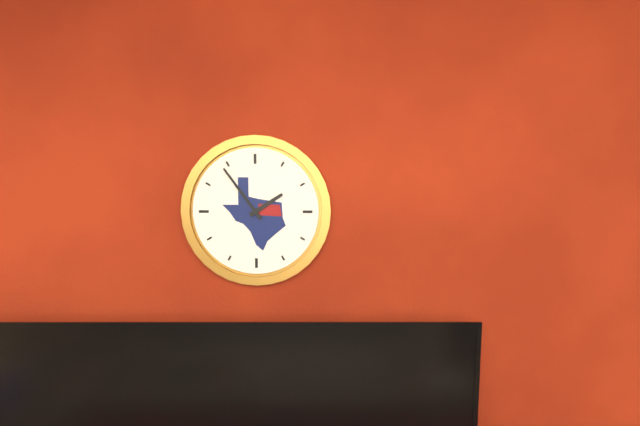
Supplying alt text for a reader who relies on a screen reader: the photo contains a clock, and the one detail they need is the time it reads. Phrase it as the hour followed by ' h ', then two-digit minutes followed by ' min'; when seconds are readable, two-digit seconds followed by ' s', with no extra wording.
1 h 54 min
